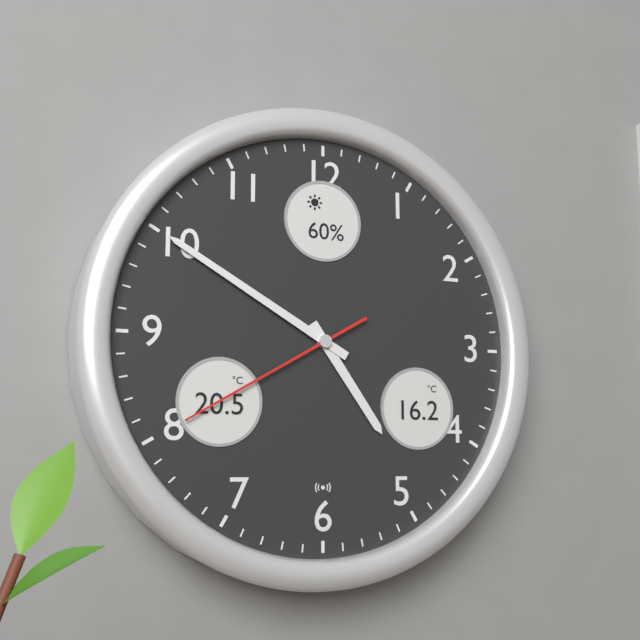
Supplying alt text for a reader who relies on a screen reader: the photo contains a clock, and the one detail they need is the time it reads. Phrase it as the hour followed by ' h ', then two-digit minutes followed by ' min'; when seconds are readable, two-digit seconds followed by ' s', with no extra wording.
4 h 50 min 40 s
